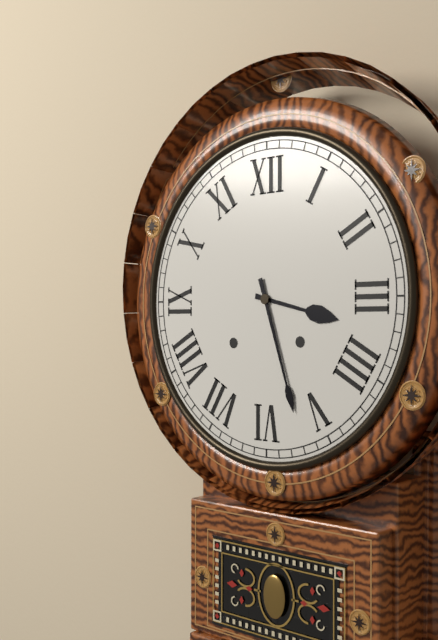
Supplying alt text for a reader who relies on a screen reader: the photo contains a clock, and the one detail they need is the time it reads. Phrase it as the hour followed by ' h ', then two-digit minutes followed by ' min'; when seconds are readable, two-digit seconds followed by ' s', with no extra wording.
3 h 27 min
